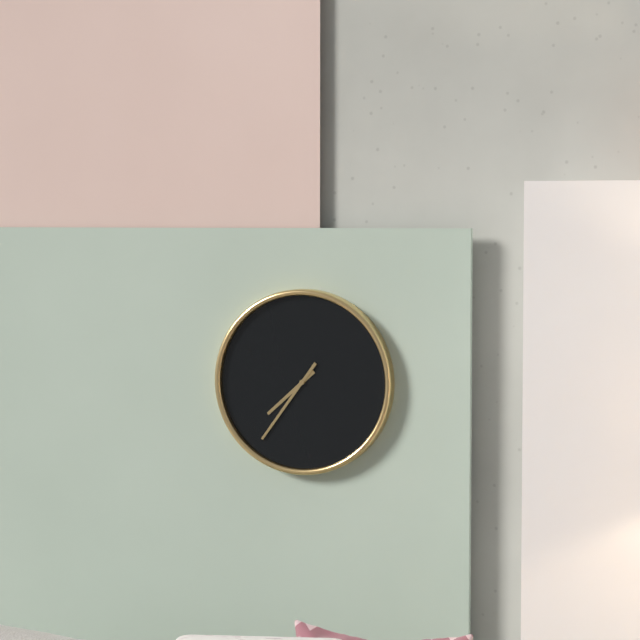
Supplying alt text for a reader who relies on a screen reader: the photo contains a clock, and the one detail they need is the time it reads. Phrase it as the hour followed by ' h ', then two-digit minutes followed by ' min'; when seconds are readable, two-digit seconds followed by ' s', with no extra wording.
7 h 36 min
